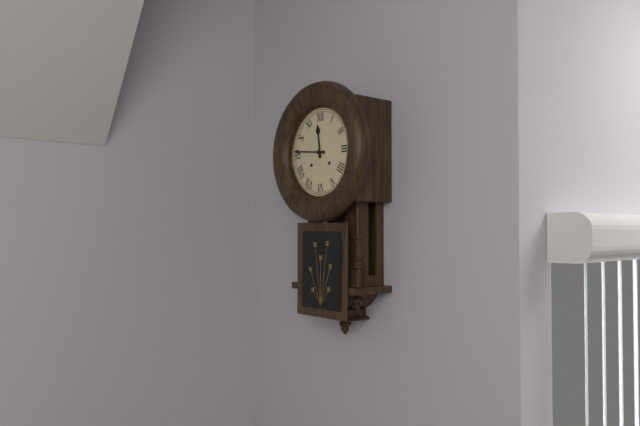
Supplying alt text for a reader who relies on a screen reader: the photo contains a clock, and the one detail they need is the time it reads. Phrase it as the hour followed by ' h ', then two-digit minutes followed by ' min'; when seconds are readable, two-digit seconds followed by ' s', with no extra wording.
11 h 46 min
